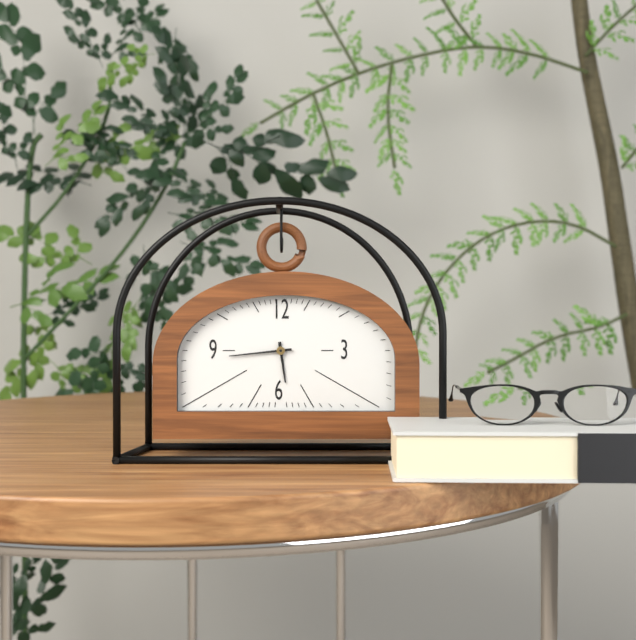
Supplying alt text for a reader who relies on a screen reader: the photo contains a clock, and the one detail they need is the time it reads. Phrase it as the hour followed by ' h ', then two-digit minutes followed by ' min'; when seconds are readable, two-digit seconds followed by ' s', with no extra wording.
5 h 44 min
